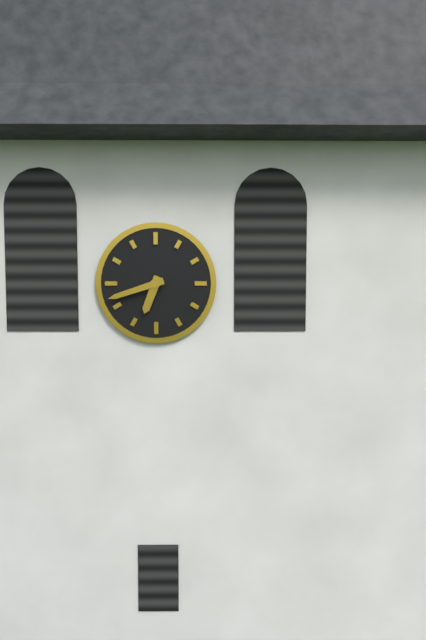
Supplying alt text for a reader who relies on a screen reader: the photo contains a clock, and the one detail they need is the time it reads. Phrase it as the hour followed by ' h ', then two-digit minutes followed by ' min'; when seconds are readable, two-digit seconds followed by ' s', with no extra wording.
6 h 42 min
